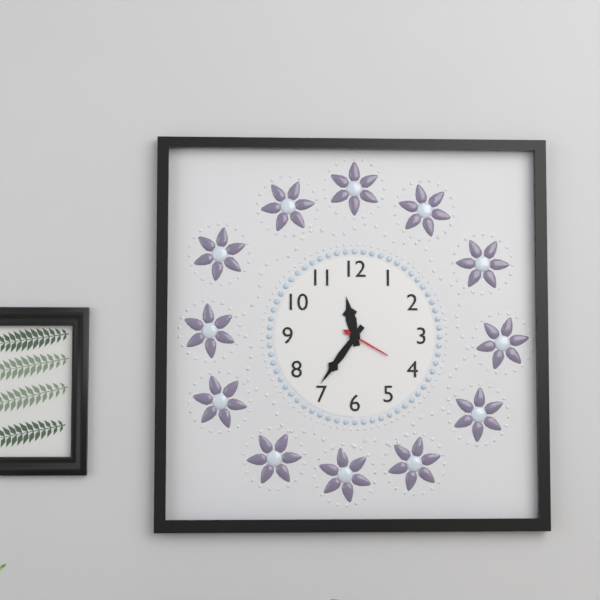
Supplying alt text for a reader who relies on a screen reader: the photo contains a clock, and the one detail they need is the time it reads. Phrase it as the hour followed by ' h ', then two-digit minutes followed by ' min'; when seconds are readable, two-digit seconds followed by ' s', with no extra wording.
11 h 36 min
